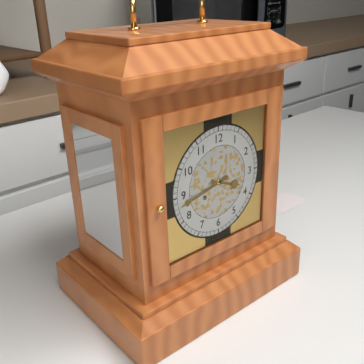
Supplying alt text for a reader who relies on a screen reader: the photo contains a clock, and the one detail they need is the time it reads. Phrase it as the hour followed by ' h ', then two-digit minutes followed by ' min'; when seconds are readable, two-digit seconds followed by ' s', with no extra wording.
3 h 43 min
